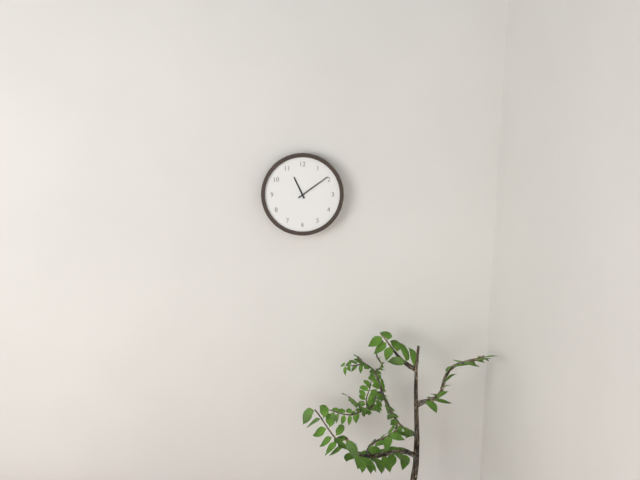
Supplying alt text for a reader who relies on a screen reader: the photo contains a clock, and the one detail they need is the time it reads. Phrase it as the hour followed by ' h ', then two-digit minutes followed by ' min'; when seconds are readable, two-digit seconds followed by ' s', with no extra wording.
11 h 09 min
